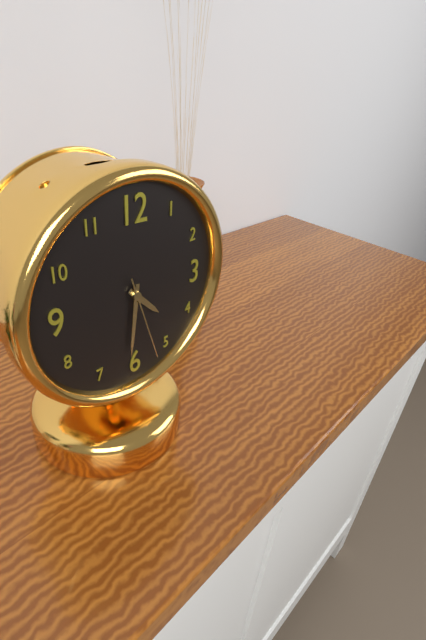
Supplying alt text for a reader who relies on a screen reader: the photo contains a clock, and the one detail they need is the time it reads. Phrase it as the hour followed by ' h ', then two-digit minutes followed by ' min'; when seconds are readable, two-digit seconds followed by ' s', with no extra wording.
4 h 31 min 27 s
